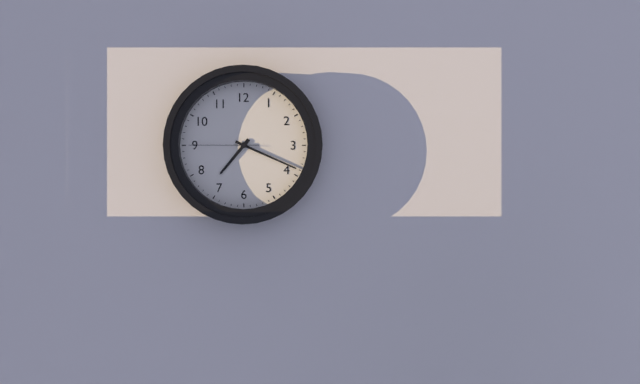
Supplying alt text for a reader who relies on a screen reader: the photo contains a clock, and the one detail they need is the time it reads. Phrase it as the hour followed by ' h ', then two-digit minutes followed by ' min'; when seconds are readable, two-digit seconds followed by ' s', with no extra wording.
7 h 19 min 45 s
